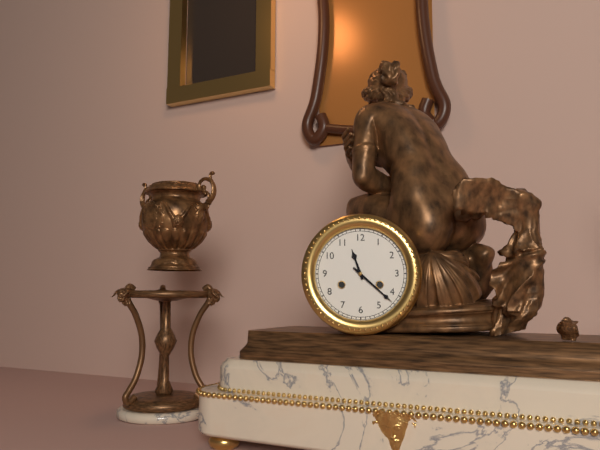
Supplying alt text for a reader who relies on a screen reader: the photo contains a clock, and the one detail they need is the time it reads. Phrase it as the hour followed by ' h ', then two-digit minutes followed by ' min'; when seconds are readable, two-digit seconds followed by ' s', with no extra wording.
11 h 22 min
